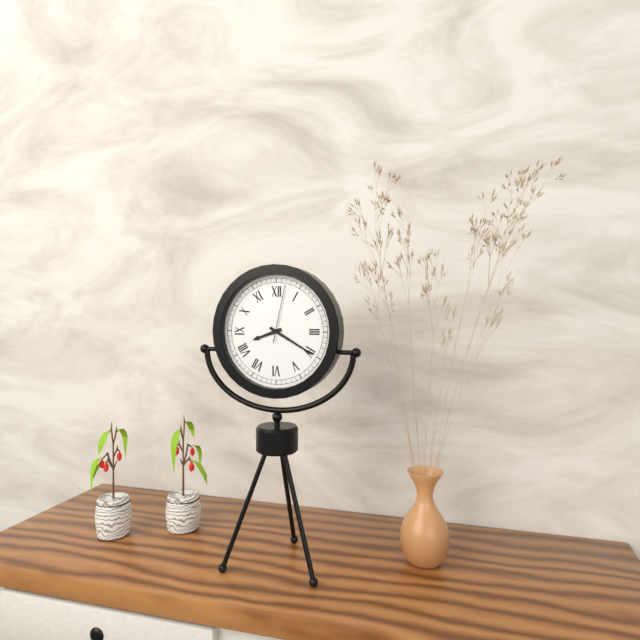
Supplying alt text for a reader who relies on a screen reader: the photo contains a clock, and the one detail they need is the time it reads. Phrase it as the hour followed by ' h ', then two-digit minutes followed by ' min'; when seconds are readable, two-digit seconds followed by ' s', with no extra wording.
8 h 20 min 02 s
